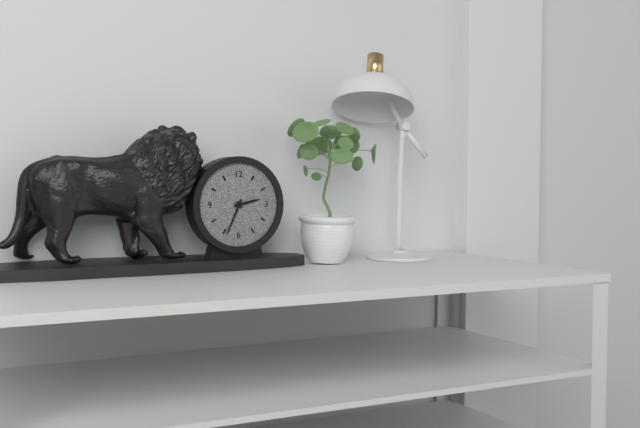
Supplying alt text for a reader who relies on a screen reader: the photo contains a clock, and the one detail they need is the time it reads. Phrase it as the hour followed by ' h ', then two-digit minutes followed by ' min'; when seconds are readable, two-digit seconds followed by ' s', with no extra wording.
2 h 34 min
